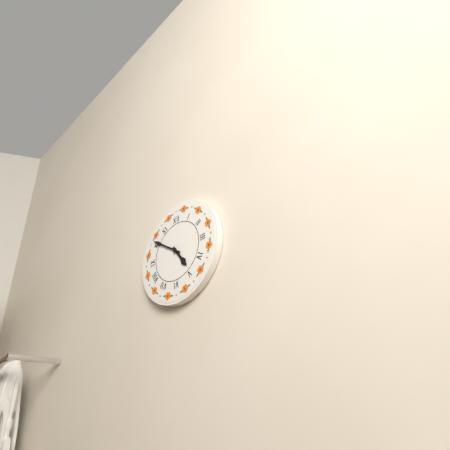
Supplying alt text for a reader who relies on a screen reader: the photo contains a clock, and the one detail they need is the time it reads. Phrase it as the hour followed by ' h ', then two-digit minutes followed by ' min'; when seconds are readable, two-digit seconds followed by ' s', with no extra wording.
4 h 51 min
